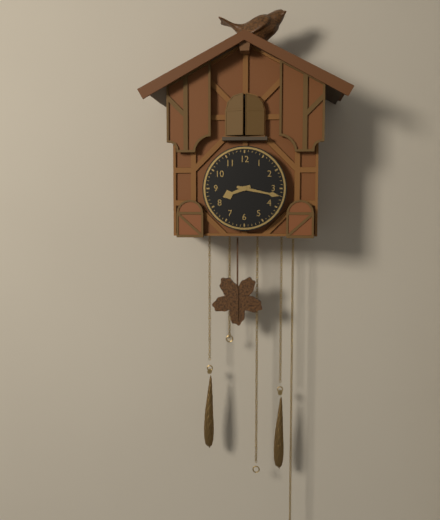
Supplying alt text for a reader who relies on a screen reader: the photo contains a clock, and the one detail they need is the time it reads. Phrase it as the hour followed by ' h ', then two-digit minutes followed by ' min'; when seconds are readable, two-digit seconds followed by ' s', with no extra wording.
8 h 17 min
